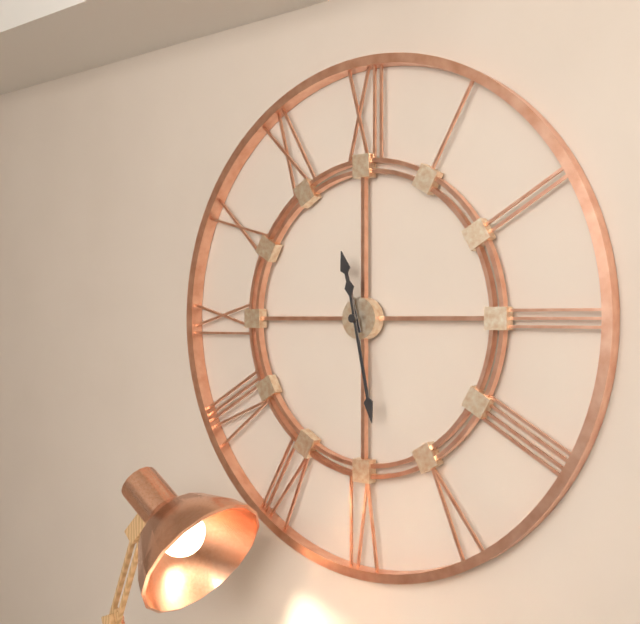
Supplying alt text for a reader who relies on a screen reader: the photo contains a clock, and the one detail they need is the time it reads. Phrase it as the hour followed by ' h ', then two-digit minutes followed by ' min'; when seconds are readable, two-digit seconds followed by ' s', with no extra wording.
11 h 28 min
